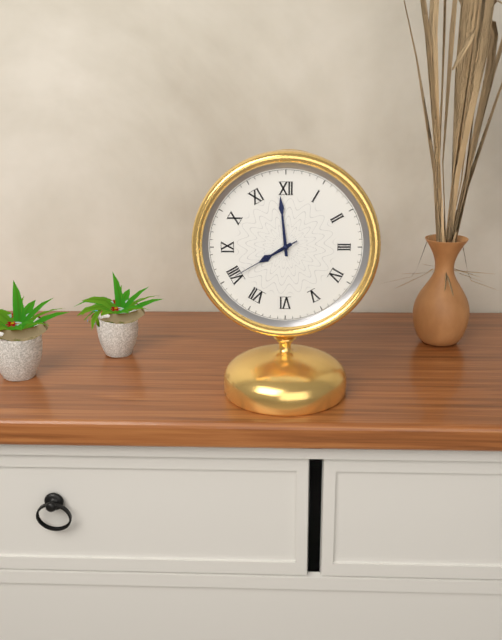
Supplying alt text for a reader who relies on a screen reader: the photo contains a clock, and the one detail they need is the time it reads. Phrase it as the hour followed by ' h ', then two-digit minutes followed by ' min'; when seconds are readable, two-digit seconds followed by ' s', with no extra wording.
7 h 59 min 40 s
